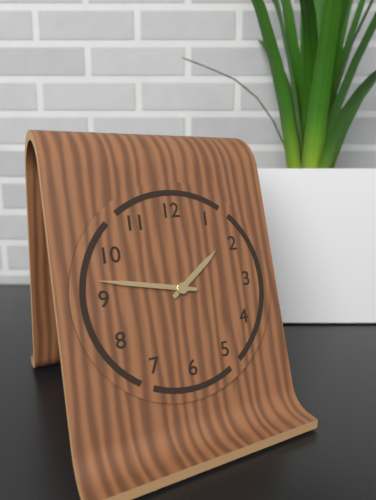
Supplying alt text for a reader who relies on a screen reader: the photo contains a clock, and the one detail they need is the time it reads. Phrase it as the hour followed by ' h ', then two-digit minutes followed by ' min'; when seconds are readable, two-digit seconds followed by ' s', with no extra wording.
1 h 47 min
